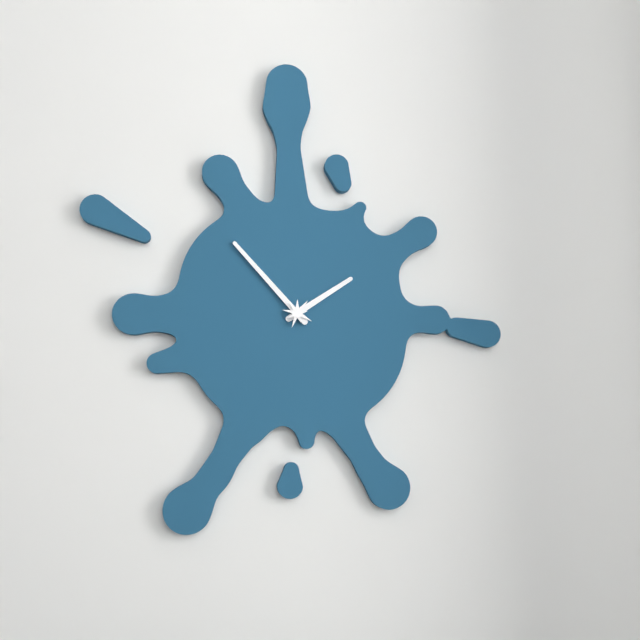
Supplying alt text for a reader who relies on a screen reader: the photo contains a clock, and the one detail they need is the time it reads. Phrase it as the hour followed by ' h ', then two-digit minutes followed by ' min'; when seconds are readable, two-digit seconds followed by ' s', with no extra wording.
1 h 53 min
